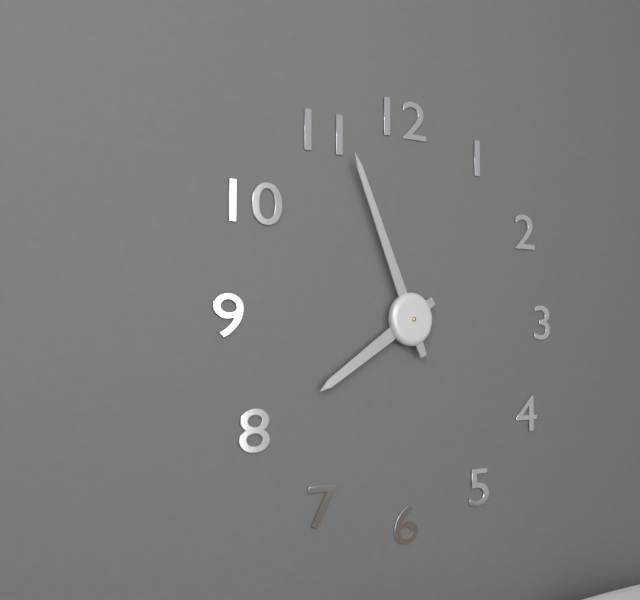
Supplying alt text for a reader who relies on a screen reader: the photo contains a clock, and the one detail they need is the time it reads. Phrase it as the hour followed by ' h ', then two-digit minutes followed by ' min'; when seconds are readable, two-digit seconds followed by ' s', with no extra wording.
7 h 56 min
